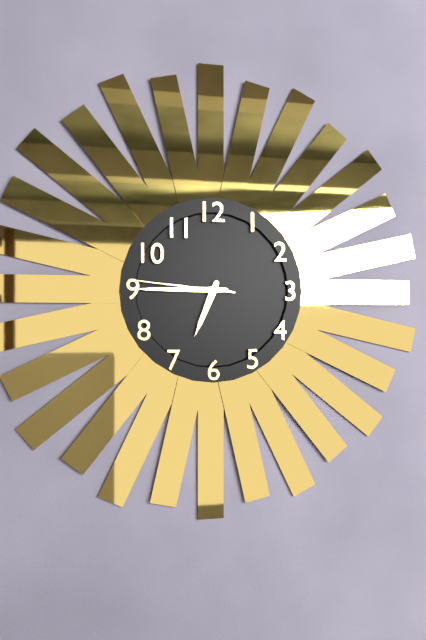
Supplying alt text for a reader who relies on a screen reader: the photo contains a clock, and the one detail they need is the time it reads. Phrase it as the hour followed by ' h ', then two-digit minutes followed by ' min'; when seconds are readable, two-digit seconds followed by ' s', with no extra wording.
6 h 45 min 46 s
